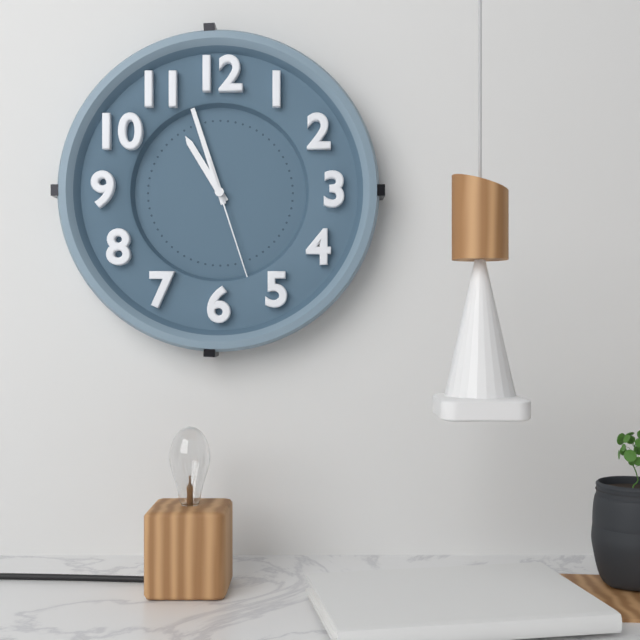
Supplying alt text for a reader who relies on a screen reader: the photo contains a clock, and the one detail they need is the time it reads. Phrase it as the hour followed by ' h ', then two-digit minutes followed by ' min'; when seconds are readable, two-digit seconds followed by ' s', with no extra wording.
10 h 57 min 27 s
